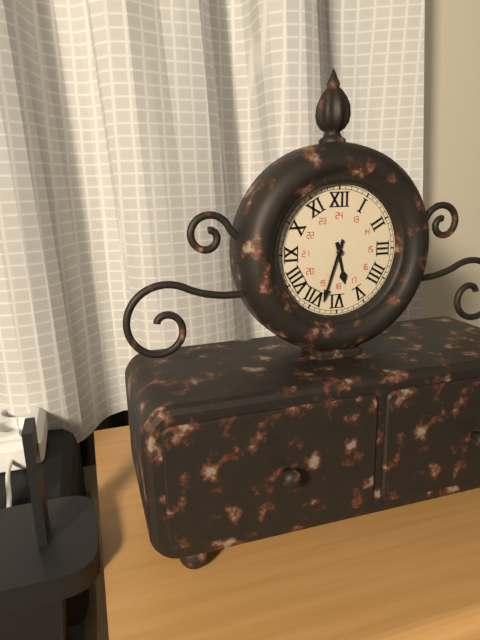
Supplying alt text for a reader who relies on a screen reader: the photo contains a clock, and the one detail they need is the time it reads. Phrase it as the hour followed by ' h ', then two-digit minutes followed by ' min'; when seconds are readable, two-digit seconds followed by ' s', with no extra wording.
5 h 33 min
